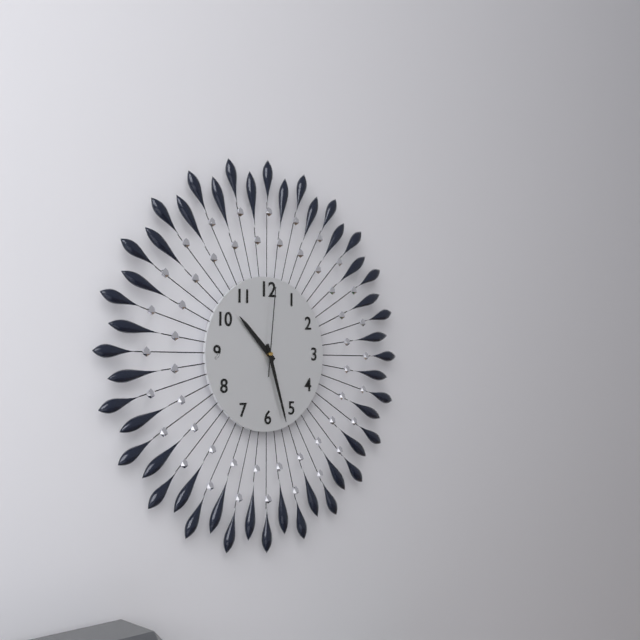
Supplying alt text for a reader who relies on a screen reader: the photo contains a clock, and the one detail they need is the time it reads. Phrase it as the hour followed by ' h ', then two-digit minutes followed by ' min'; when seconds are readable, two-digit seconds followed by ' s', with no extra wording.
10 h 27 min 01 s
